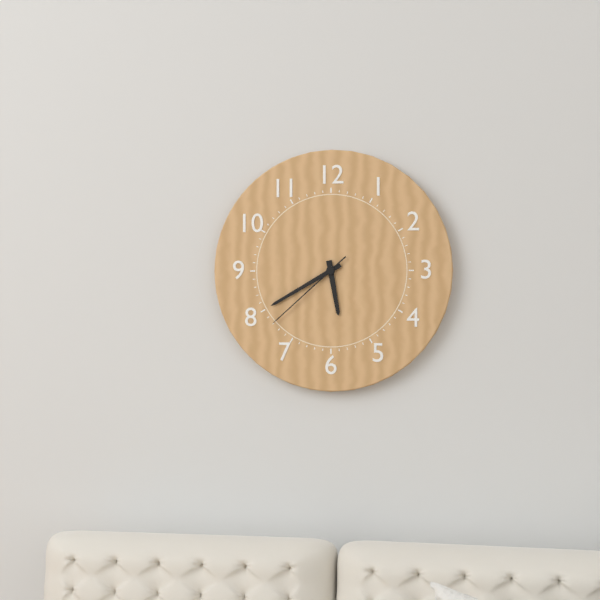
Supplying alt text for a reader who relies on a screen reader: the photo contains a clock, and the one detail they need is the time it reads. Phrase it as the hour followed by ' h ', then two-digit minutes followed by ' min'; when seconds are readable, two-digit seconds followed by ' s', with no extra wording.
5 h 40 min 38 s
